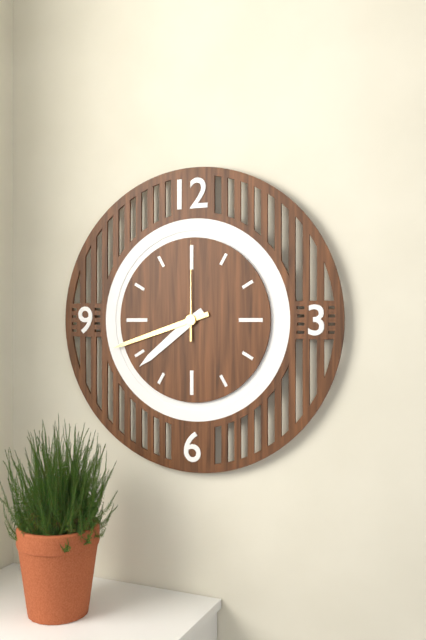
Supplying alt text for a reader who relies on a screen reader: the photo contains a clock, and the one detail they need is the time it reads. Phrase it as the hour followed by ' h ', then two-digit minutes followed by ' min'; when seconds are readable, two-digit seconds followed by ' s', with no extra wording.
7 h 42 min 00 s
